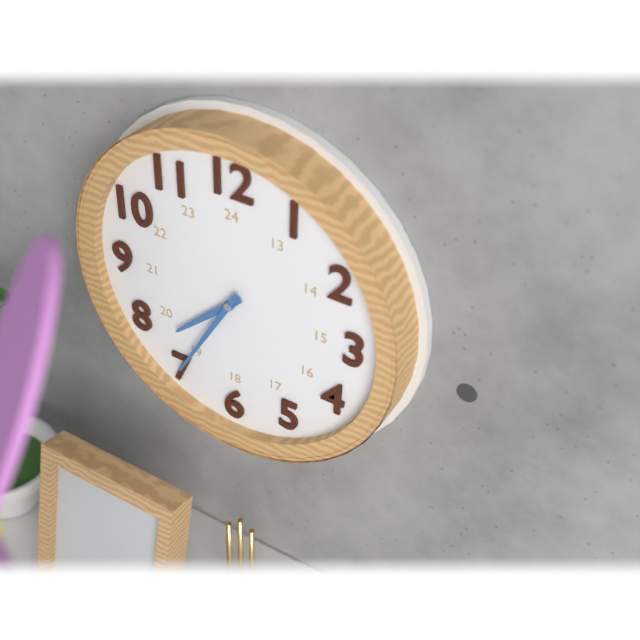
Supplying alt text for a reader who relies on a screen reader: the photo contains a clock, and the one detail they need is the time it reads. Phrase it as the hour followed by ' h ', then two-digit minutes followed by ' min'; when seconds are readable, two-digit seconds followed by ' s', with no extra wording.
7 h 35 min
